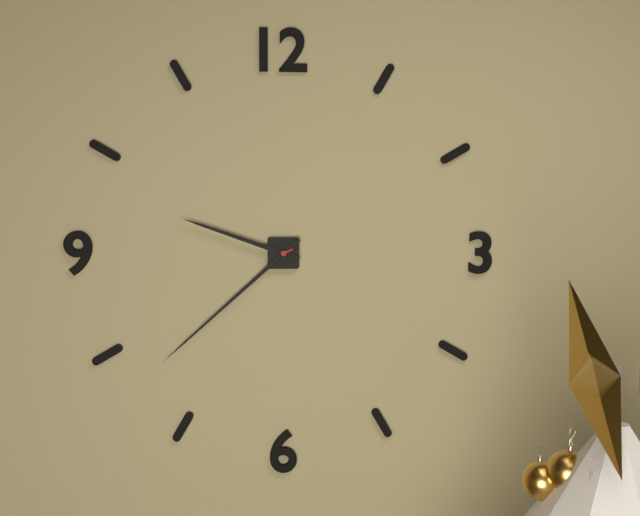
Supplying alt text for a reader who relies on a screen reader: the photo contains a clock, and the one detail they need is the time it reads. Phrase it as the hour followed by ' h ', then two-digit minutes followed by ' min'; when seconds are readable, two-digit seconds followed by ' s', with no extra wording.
9 h 38 min
